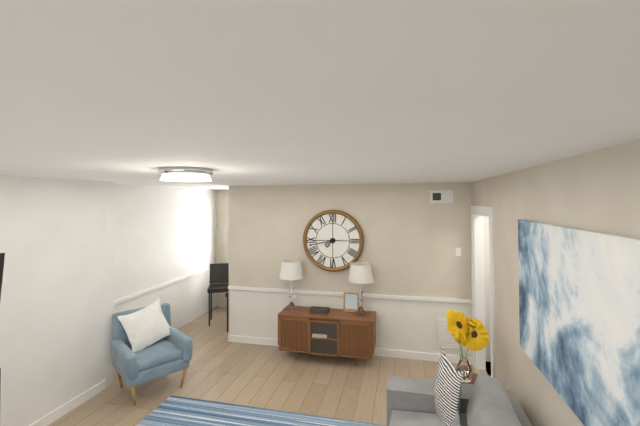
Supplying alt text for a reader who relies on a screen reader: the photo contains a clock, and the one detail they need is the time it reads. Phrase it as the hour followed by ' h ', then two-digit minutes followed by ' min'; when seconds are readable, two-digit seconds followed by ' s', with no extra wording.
7 h 43 min
